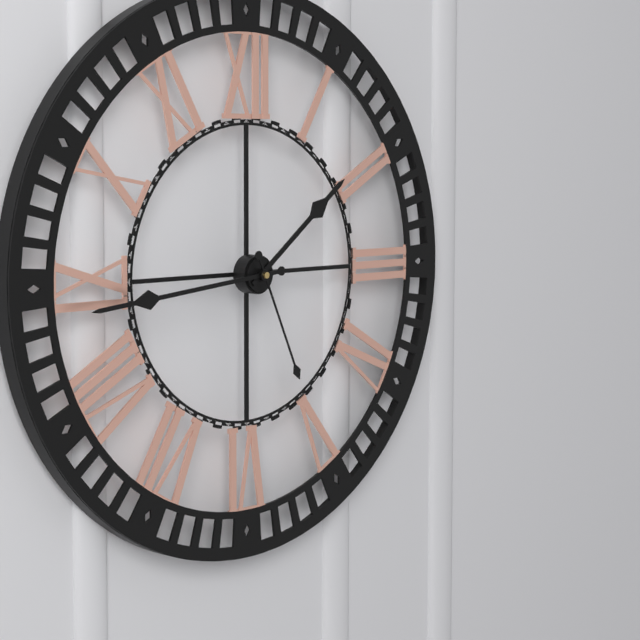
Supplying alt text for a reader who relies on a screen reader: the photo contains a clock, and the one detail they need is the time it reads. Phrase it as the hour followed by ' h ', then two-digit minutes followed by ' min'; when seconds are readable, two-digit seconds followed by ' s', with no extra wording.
1 h 44 min 26 s
